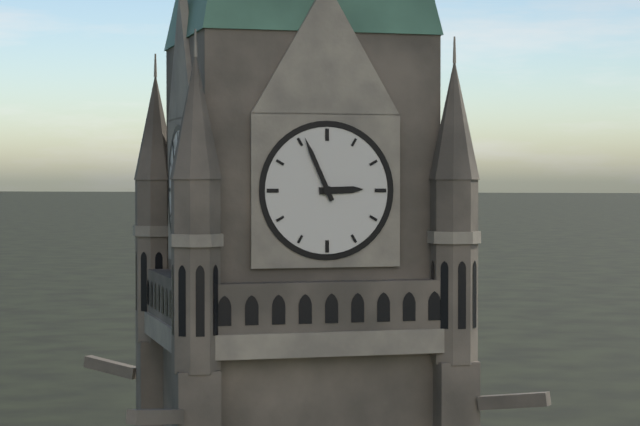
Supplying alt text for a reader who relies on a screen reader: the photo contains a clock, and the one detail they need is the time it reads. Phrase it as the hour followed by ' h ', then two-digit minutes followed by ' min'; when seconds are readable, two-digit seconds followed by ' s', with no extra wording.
2 h 56 min
